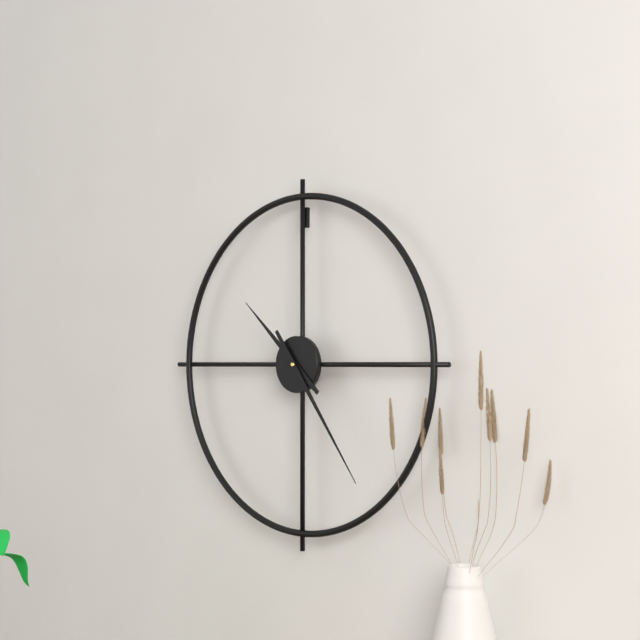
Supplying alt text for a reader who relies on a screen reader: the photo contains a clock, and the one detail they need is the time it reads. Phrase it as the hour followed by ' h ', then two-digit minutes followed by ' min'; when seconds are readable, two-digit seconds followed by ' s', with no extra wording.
10 h 24 min
